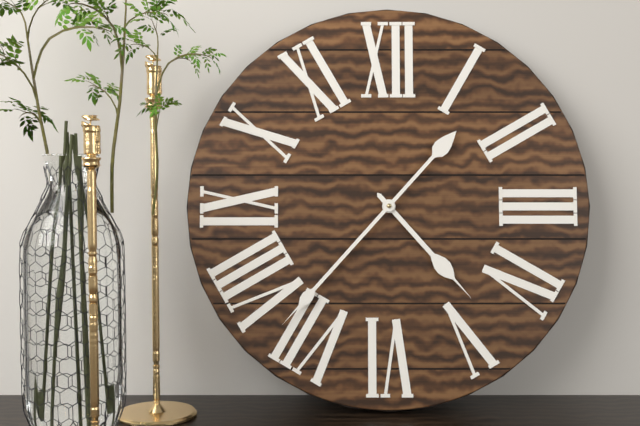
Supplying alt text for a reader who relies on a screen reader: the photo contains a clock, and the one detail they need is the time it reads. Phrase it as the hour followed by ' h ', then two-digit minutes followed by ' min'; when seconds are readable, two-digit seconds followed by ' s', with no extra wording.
4 h 37 min
